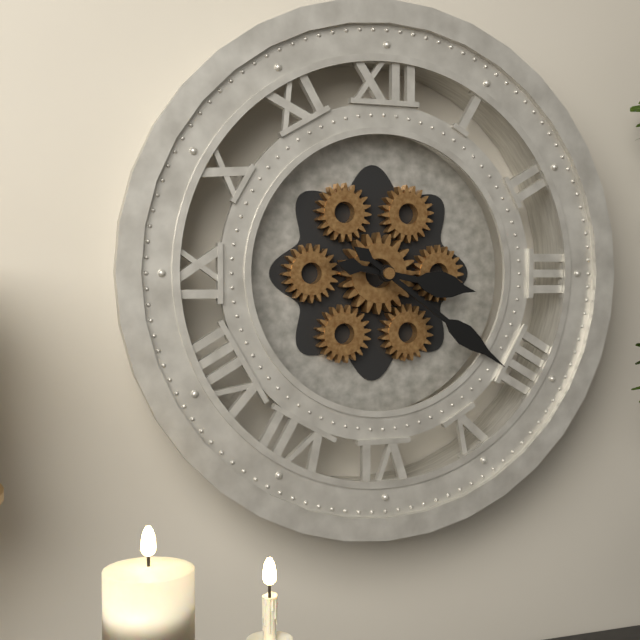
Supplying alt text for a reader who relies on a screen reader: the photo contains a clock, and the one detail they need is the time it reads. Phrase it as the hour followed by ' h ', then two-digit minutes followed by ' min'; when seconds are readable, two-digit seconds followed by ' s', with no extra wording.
3 h 21 min
